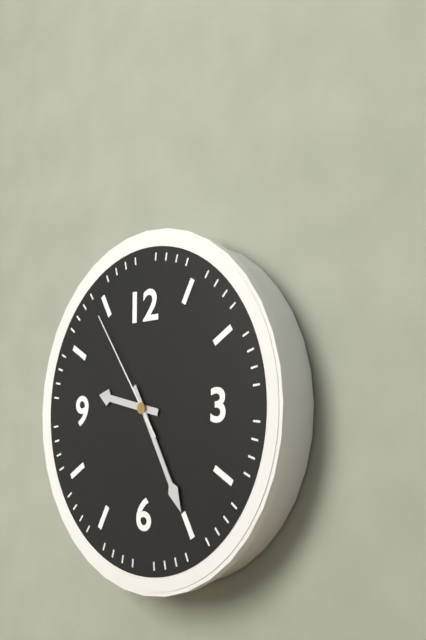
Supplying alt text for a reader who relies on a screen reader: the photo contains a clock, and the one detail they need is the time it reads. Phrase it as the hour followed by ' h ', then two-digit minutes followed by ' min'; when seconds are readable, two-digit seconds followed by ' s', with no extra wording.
9 h 25 min 54 s
